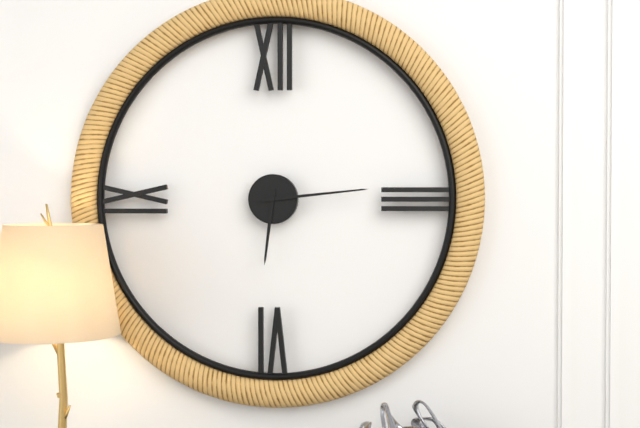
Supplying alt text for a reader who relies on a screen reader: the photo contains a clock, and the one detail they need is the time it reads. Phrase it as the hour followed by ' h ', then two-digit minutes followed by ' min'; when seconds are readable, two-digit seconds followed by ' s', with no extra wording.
6 h 14 min
